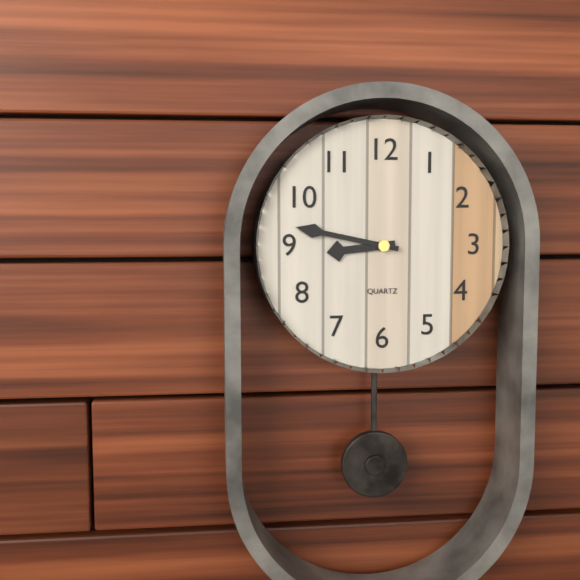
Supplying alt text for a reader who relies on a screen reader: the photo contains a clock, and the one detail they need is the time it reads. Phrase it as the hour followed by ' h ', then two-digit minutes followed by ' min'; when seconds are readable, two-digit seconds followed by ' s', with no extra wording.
8 h 47 min
